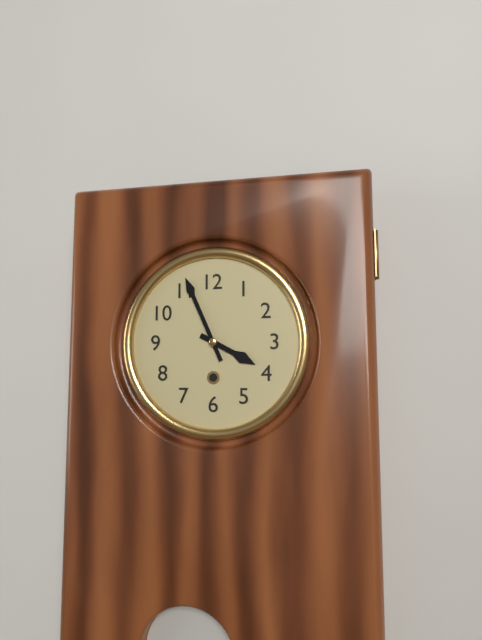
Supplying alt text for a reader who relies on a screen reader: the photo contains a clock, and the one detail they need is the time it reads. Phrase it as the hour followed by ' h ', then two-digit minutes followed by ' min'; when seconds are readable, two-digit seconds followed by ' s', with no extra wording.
3 h 56 min
